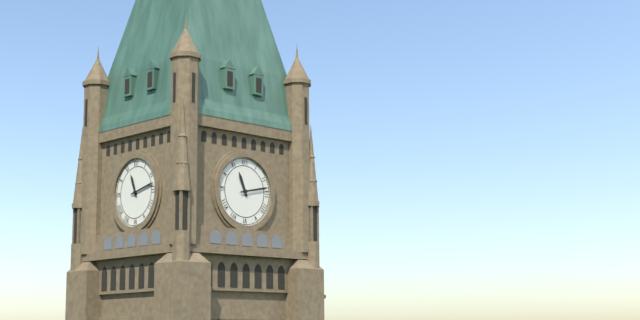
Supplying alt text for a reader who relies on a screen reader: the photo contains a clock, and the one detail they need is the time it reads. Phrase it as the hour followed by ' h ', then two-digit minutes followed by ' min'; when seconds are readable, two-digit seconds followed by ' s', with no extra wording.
11 h 13 min
